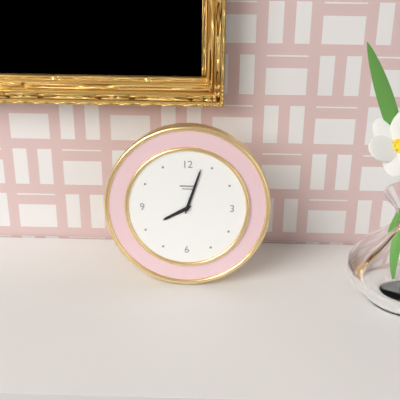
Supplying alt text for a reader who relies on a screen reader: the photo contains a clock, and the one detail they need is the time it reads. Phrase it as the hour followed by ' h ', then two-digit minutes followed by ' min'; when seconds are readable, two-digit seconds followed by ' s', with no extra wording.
8 h 03 min
